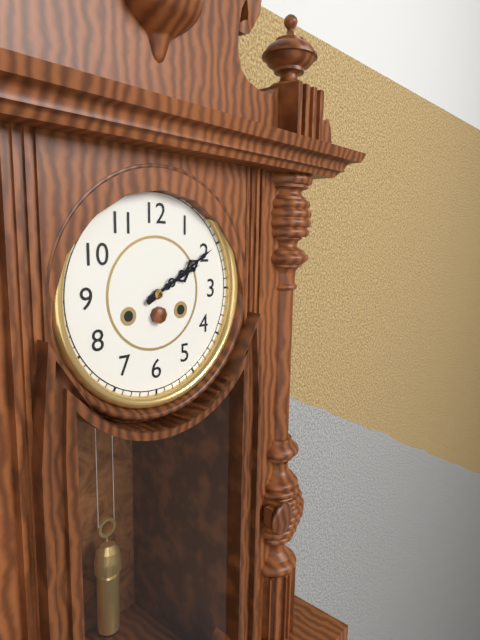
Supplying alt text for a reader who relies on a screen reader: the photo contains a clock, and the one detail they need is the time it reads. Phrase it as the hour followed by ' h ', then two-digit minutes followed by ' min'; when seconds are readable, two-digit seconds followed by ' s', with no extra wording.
2 h 10 min
